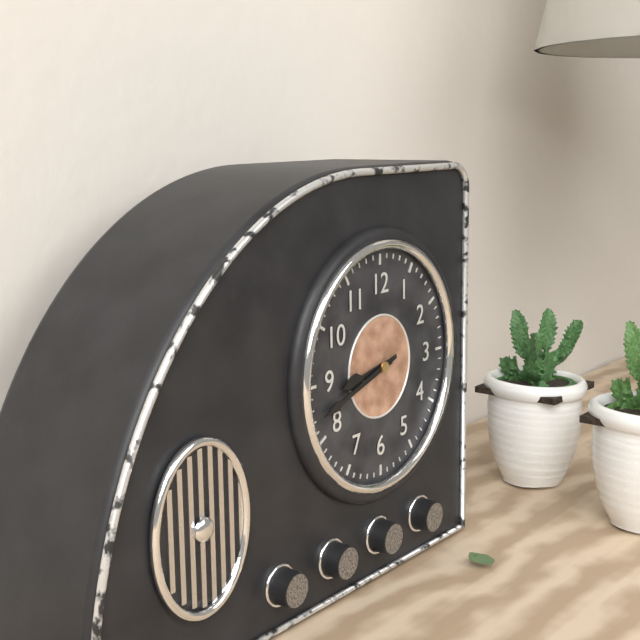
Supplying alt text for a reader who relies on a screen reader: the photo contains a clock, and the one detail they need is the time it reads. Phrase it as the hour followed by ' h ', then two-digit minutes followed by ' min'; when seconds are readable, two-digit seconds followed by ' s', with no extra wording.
8 h 42 min
